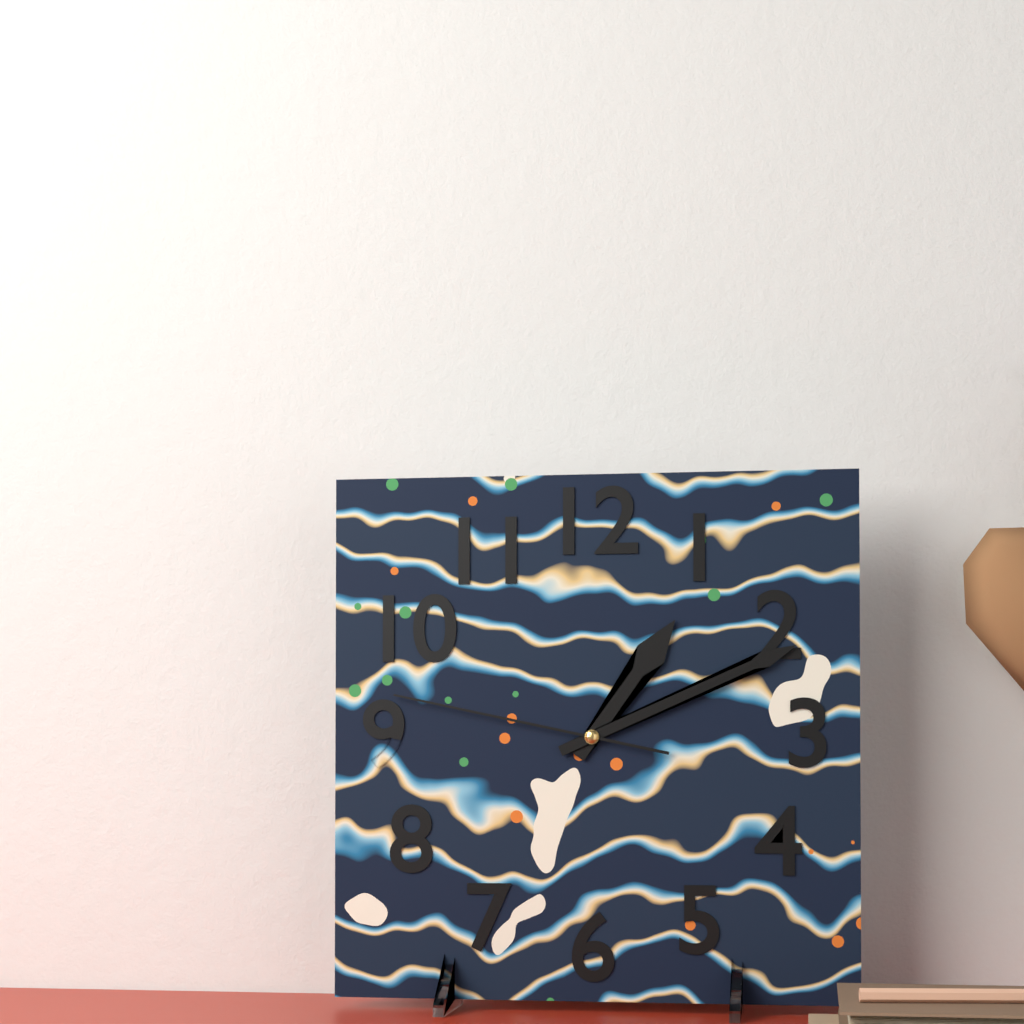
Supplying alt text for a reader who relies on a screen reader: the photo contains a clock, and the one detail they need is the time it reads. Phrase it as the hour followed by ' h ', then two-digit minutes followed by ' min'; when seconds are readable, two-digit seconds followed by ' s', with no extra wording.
1 h 11 min 47 s
